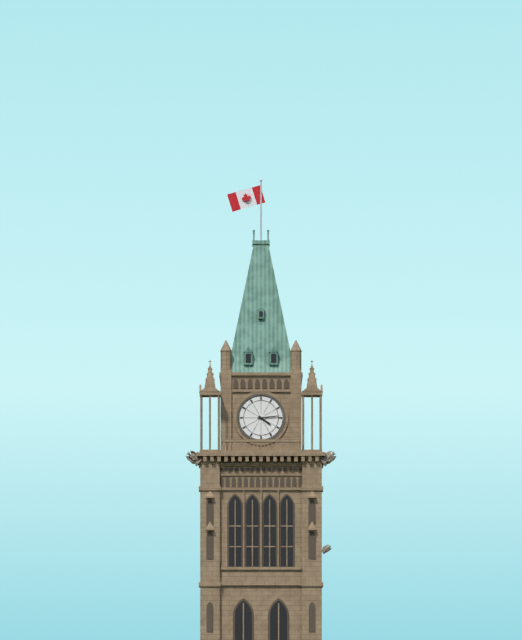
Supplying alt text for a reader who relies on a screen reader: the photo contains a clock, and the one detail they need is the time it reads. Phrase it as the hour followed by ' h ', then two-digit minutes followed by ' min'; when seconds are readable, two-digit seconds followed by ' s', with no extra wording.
4 h 14 min
